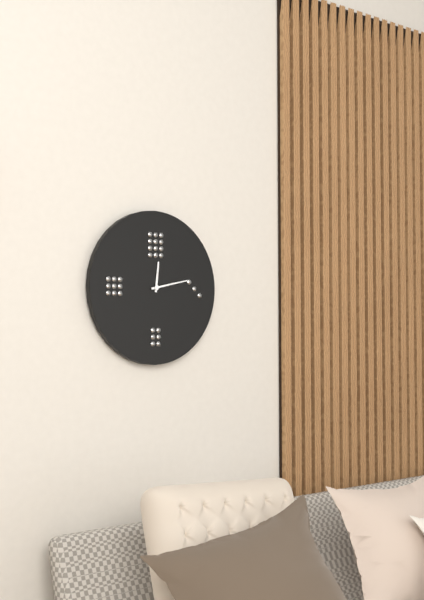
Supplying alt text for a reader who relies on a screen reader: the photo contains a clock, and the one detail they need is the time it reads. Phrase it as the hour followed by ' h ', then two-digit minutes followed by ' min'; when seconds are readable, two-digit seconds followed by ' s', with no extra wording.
12 h 13 min
